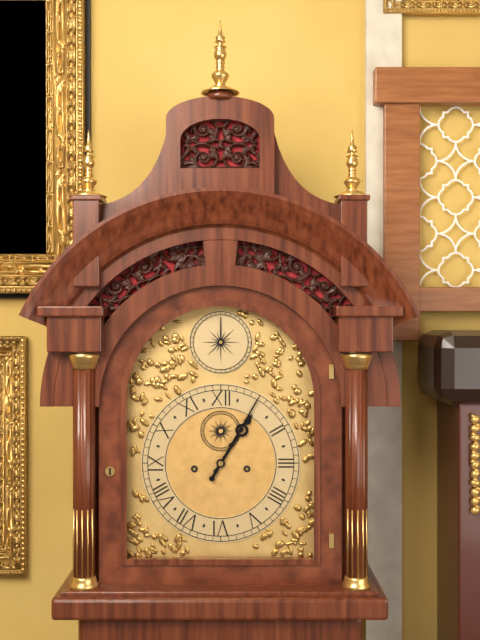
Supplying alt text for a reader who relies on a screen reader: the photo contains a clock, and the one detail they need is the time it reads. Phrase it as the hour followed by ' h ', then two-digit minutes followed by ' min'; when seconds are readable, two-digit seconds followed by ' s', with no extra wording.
1 h 05 min
